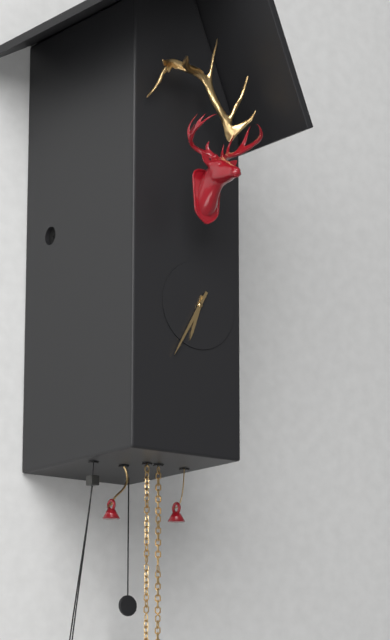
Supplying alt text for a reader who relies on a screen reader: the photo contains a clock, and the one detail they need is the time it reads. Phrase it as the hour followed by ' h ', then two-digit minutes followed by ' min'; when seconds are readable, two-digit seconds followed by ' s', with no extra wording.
6 h 35 min
